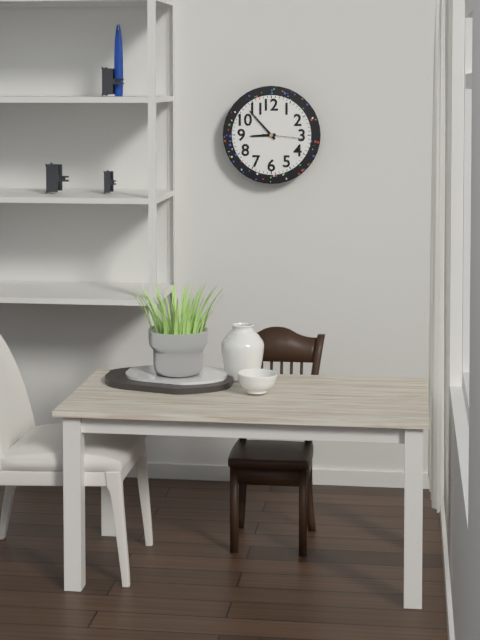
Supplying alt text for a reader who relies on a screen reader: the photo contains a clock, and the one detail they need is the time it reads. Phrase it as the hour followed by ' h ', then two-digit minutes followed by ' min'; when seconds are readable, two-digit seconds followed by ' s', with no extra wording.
8 h 53 min
